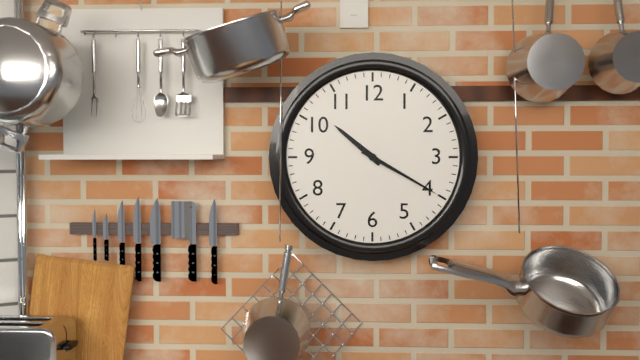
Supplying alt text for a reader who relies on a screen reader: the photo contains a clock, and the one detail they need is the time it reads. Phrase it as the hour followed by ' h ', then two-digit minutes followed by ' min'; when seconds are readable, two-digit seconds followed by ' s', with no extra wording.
10 h 20 min
